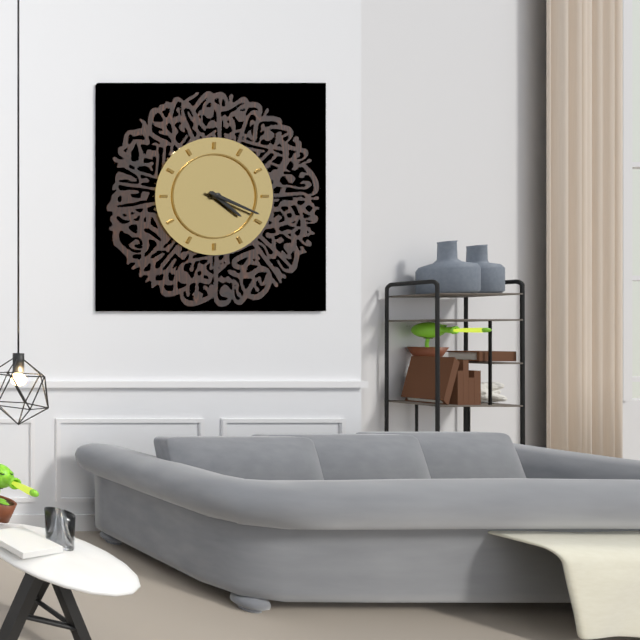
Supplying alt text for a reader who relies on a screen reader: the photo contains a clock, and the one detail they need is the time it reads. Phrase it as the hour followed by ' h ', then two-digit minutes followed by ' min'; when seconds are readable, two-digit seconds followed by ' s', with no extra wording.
4 h 19 min
